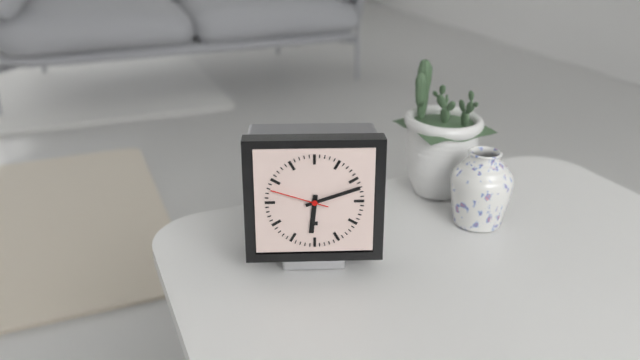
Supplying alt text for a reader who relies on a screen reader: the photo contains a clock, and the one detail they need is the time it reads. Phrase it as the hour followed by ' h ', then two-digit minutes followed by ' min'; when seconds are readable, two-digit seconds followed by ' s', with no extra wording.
6 h 12 min 48 s
